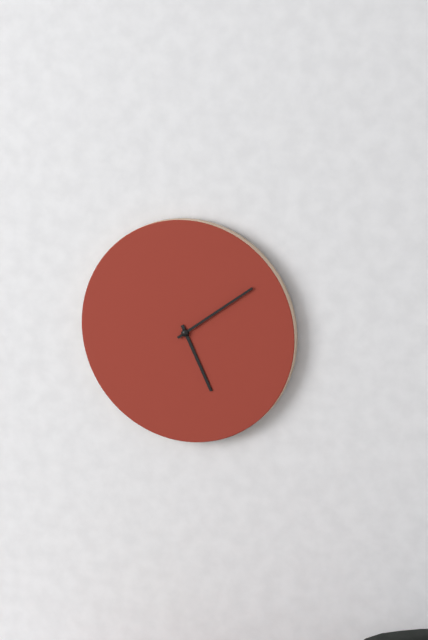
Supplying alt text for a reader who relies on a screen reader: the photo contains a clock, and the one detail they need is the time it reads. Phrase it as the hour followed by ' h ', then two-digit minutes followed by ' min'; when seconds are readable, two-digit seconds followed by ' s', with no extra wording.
5 h 09 min
